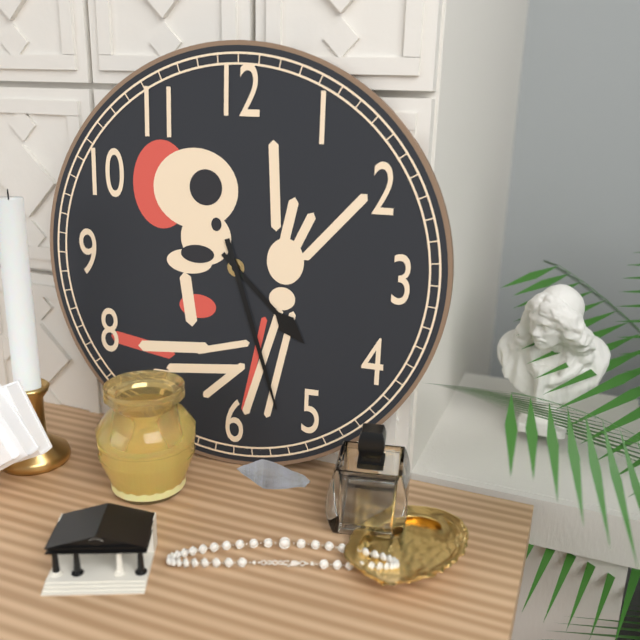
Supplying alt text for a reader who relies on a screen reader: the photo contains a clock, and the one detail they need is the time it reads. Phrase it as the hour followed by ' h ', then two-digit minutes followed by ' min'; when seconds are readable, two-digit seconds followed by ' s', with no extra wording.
4 h 27 min
